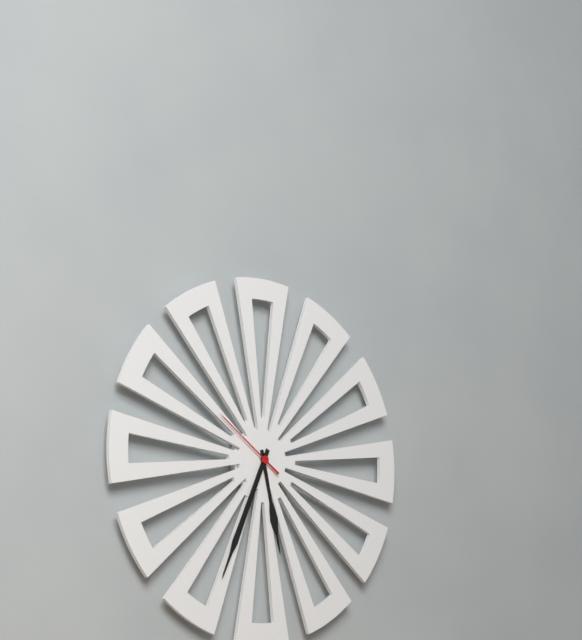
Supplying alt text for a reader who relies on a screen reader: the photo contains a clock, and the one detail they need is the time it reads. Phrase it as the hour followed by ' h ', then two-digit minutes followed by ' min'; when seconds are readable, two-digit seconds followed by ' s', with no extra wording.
5 h 34 min 51 s
